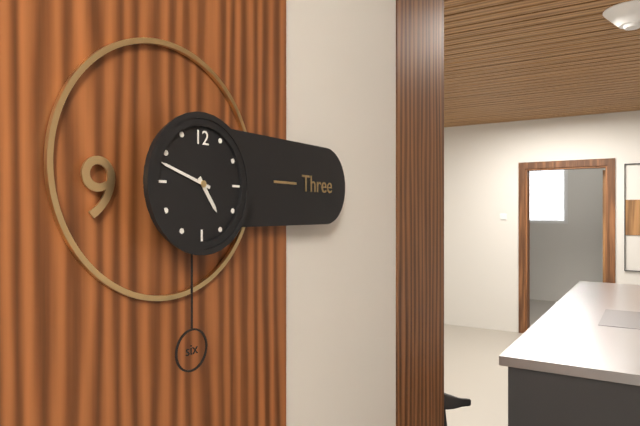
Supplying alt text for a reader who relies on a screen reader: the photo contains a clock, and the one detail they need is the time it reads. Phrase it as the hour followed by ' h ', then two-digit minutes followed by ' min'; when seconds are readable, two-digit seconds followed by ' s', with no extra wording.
4 h 48 min
